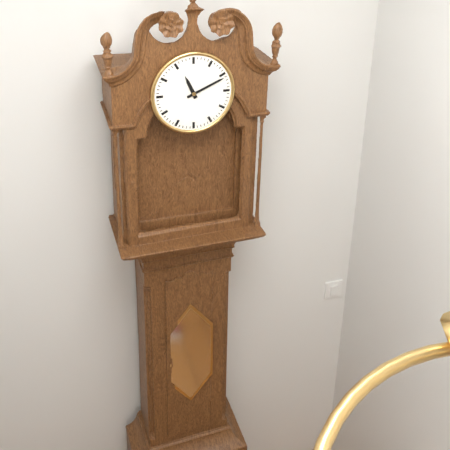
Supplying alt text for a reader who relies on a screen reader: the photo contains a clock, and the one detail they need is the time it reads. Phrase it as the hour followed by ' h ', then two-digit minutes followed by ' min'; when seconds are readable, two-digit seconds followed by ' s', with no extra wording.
11 h 11 min
